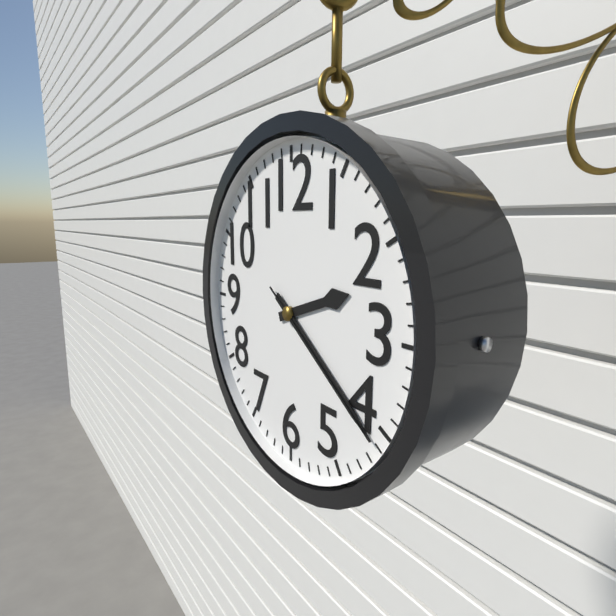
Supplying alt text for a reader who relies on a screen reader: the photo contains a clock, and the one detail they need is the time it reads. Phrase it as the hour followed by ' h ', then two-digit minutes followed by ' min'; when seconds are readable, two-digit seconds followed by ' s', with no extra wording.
2 h 21 min 21 s
